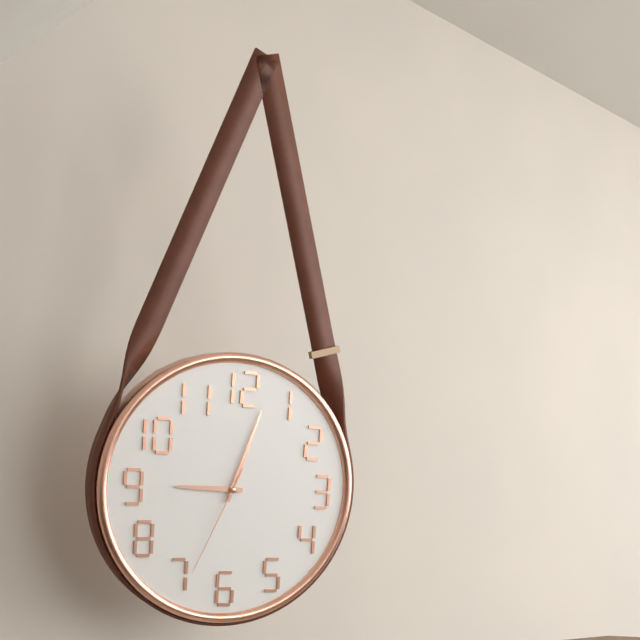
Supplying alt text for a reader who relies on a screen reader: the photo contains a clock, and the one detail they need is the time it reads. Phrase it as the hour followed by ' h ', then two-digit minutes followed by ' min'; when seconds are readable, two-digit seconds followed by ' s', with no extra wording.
9 h 03 min 34 s
